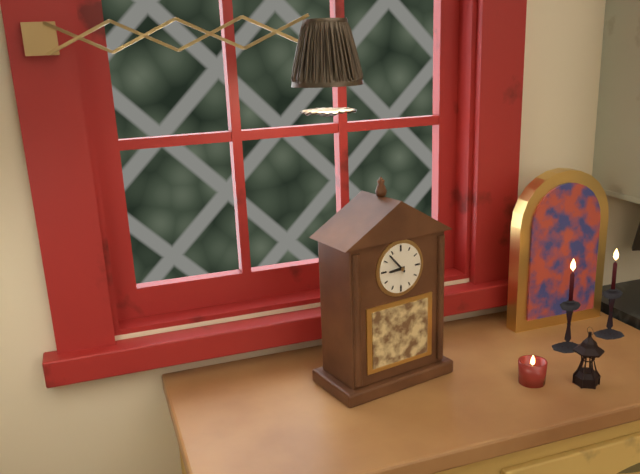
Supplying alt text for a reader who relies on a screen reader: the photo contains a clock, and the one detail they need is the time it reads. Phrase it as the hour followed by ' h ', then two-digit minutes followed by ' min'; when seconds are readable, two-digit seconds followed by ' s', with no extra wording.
8 h 53 min
